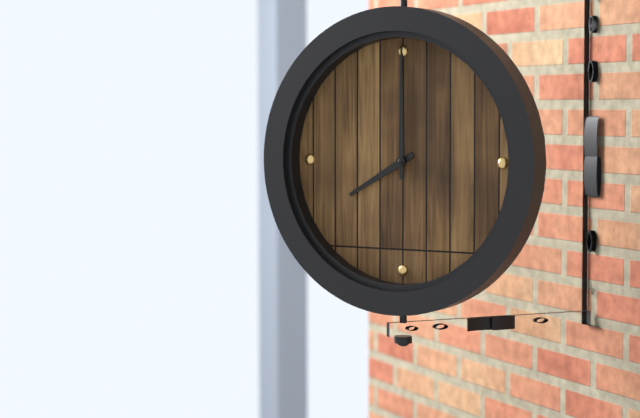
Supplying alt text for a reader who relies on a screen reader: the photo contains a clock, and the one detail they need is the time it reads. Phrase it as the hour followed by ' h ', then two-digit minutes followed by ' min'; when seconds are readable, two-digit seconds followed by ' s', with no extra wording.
8 h 00 min
